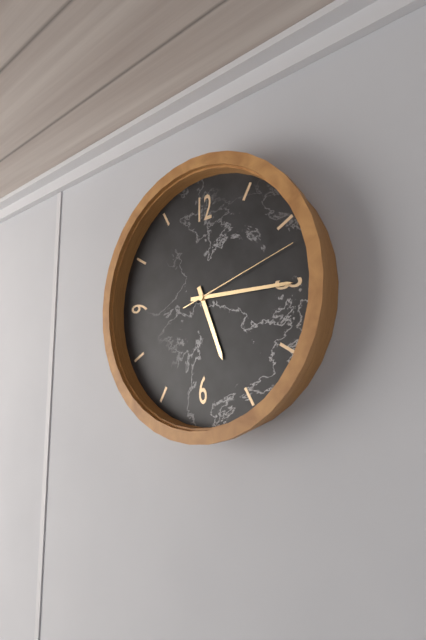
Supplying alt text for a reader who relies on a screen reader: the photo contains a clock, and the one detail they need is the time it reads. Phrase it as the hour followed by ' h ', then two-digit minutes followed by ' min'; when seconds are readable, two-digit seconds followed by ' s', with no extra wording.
5 h 15 min 12 s
